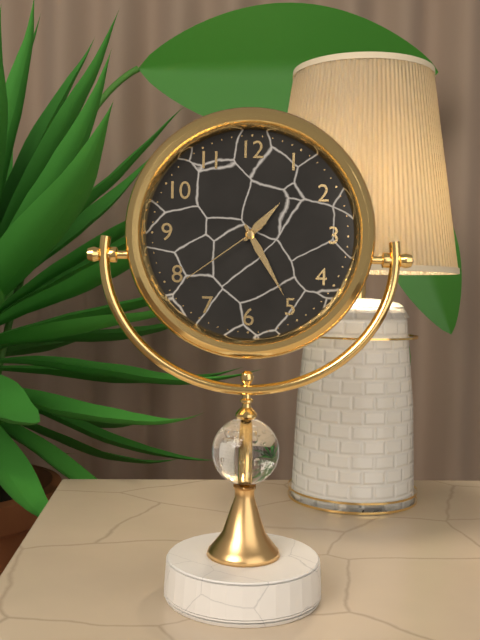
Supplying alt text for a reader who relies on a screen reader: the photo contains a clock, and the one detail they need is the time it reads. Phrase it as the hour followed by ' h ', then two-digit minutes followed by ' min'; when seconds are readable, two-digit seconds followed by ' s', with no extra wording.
1 h 25 min 39 s
